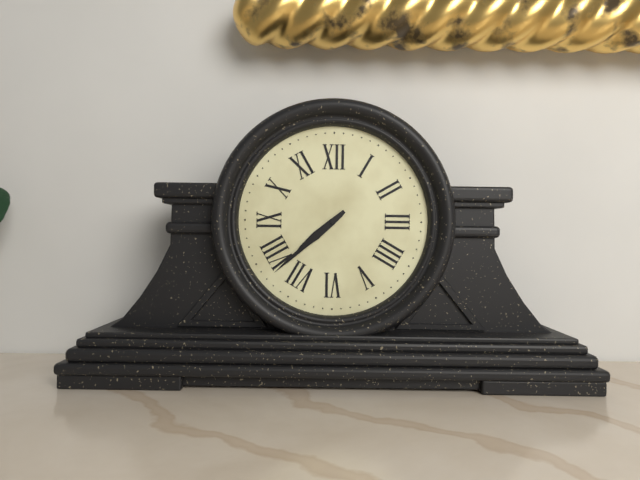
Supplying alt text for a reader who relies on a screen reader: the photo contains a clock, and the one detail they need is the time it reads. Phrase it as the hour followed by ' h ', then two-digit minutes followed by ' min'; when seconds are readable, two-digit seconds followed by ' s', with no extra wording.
7 h 38 min
